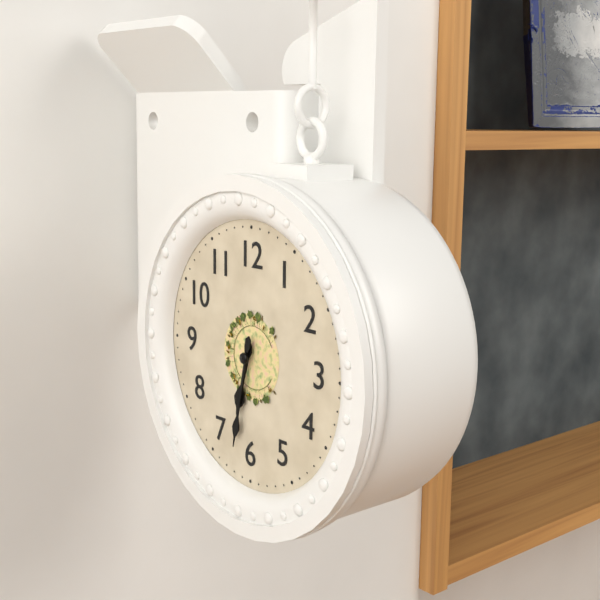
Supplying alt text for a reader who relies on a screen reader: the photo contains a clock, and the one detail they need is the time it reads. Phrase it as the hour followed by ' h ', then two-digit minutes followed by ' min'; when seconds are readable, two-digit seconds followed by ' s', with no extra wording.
6 h 32 min
